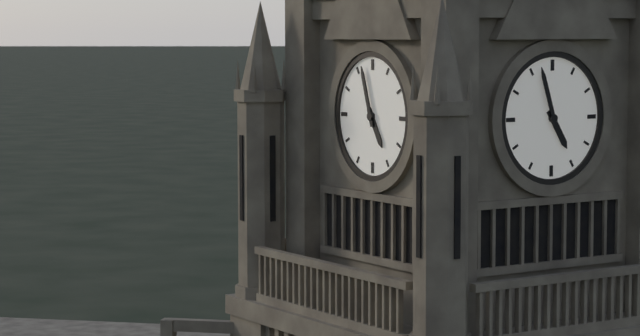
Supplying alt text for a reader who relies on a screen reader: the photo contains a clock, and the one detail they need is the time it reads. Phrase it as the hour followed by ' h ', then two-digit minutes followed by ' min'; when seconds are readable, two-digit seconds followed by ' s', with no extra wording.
4 h 57 min
